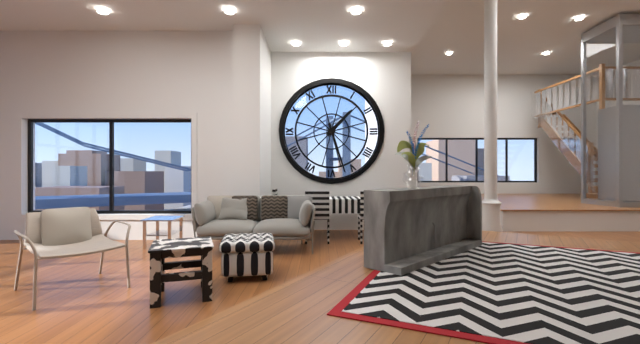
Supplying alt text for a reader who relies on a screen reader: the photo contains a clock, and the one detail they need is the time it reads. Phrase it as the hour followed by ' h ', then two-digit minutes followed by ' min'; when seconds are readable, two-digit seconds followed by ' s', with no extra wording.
1 h 27 min
